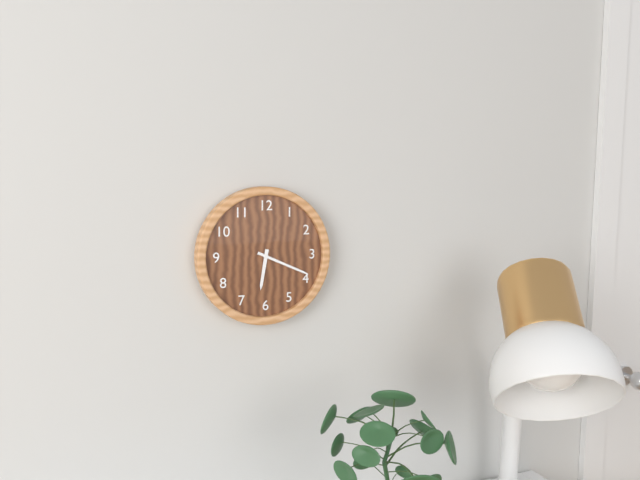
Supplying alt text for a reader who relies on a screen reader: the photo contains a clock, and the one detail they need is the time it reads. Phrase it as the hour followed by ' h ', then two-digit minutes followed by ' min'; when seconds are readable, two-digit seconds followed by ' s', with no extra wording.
6 h 19 min
